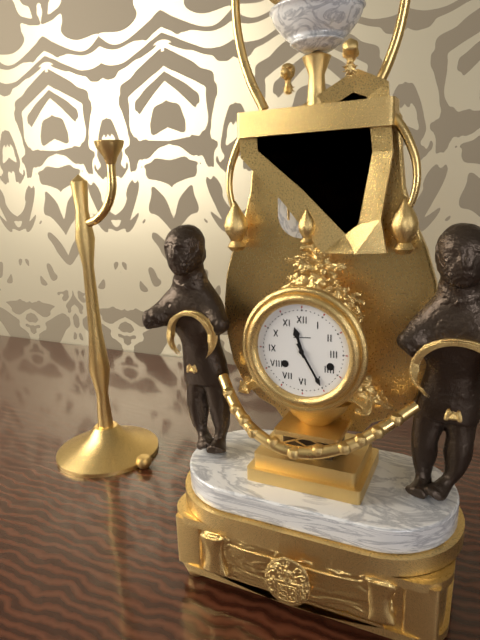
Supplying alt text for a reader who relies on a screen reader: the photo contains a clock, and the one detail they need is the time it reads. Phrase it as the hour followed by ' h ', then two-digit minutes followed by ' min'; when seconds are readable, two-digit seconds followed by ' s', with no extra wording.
11 h 25 min
